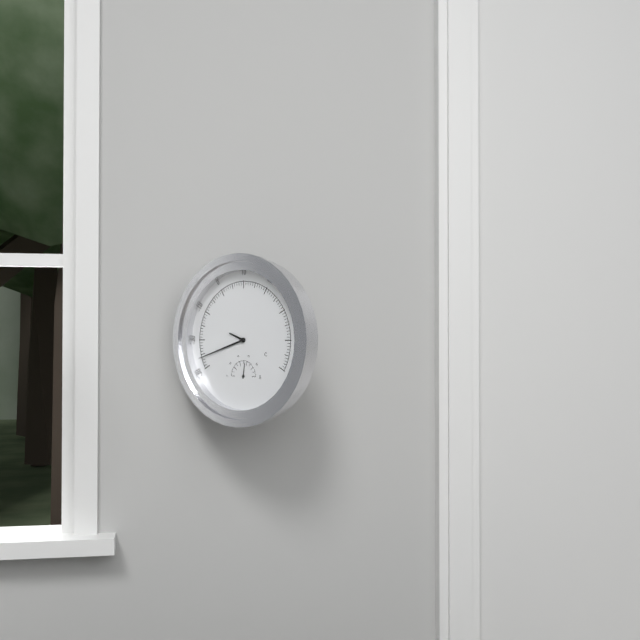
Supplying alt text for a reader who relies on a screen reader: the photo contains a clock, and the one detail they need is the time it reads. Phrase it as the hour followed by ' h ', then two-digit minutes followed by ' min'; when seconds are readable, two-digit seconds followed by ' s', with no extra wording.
9 h 42 min
